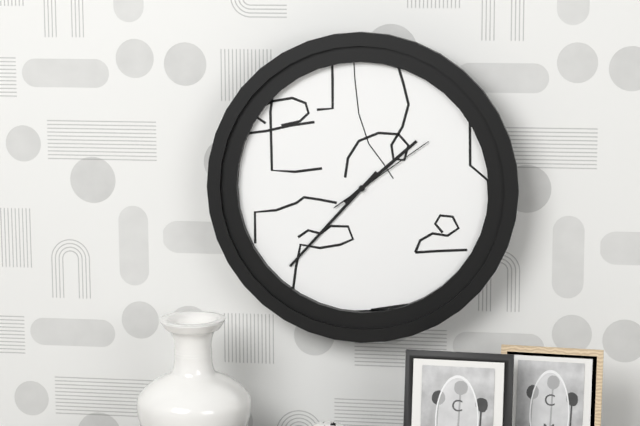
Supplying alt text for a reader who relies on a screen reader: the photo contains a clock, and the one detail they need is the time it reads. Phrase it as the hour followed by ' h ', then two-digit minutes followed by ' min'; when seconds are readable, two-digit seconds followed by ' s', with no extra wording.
1 h 37 min 09 s
